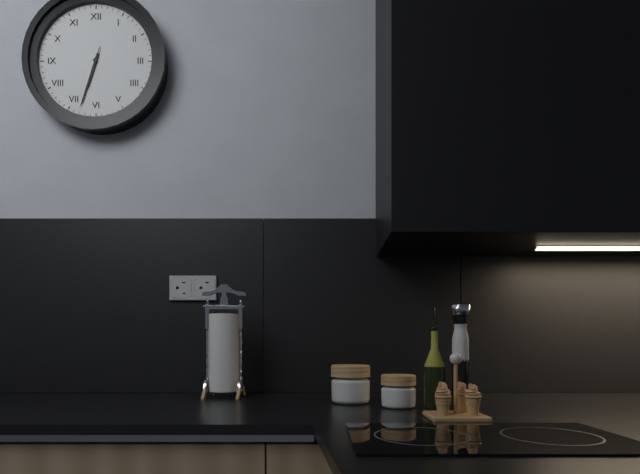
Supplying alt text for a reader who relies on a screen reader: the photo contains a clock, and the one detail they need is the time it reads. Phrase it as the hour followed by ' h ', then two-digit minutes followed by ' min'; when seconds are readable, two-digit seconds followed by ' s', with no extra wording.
6 h 33 min 33 s
